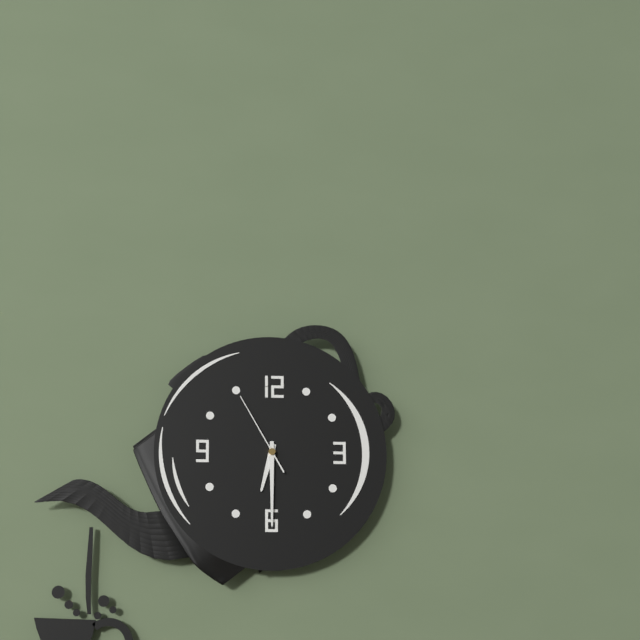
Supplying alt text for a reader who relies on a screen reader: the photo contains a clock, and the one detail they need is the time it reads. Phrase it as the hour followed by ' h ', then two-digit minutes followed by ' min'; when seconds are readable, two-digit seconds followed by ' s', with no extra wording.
6 h 30 min 55 s
